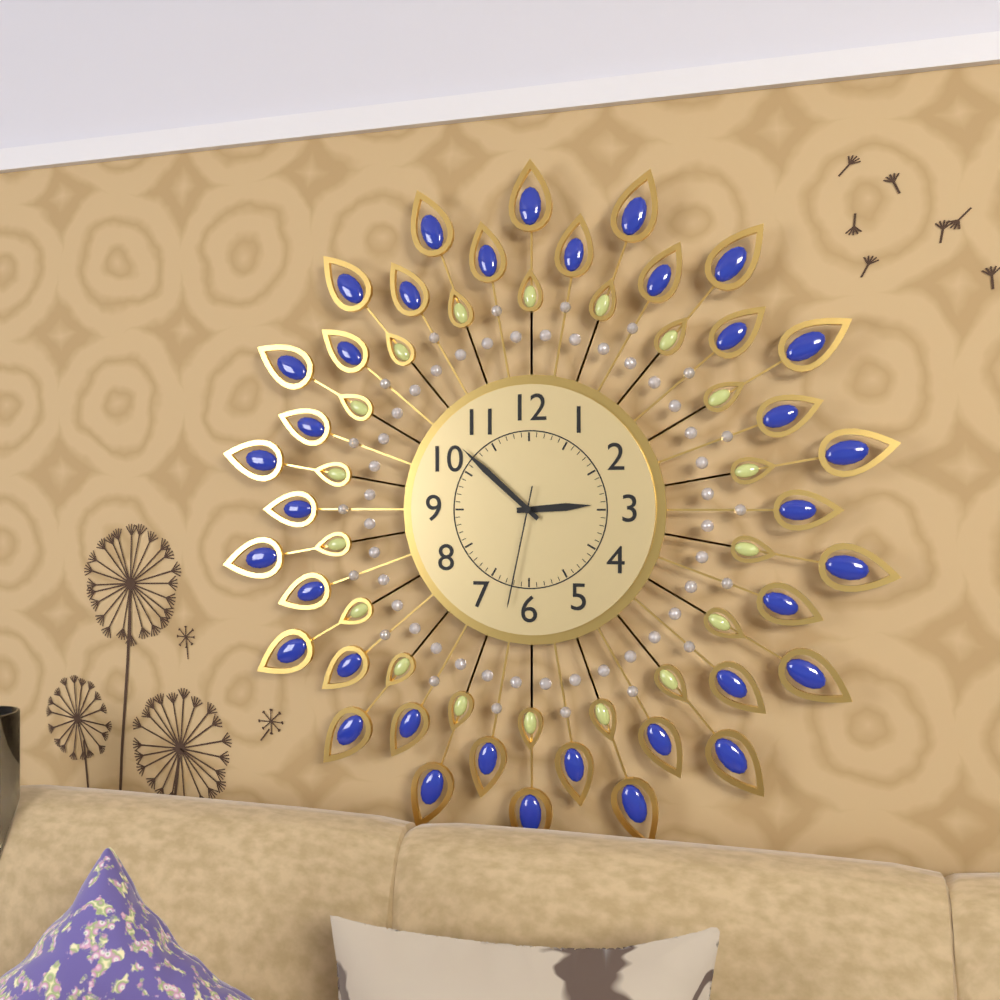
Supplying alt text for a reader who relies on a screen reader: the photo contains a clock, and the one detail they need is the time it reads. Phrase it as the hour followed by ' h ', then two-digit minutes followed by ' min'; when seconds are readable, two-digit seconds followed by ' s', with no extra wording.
2 h 52 min 32 s
